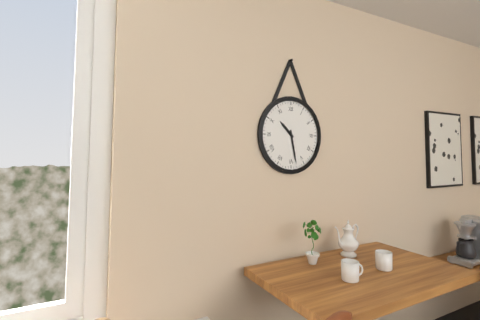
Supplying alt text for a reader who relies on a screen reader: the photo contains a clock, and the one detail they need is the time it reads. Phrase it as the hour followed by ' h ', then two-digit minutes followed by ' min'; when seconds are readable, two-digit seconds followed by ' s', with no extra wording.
10 h 28 min
